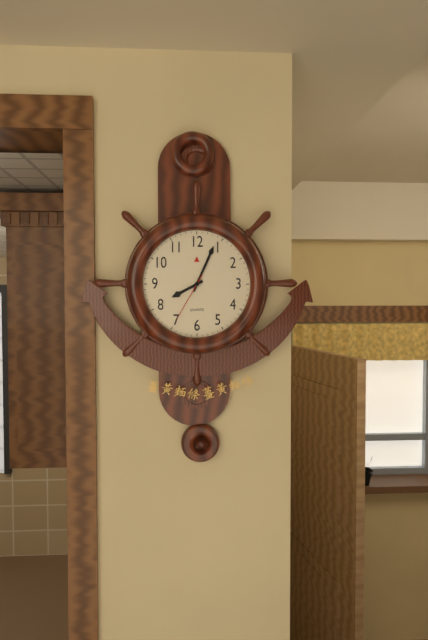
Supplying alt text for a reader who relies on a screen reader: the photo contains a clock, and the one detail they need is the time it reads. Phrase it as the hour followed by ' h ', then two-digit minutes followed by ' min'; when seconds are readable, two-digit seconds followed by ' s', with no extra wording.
8 h 04 min 35 s
